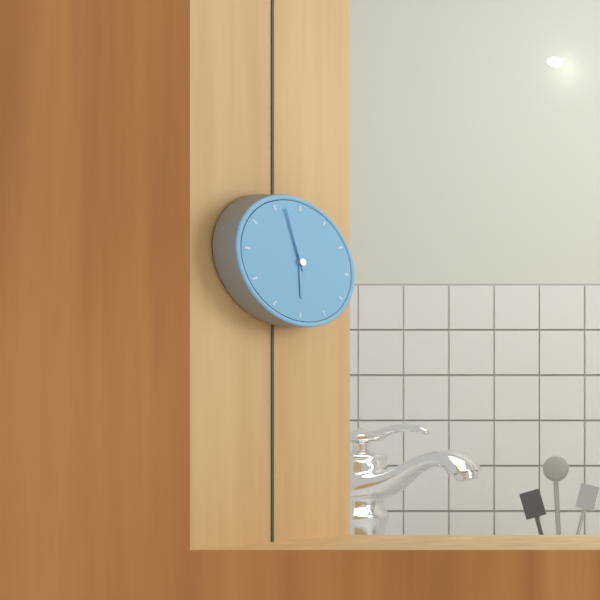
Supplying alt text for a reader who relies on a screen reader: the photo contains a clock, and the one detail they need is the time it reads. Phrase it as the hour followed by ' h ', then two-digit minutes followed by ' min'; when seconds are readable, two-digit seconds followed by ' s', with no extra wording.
5 h 57 min
